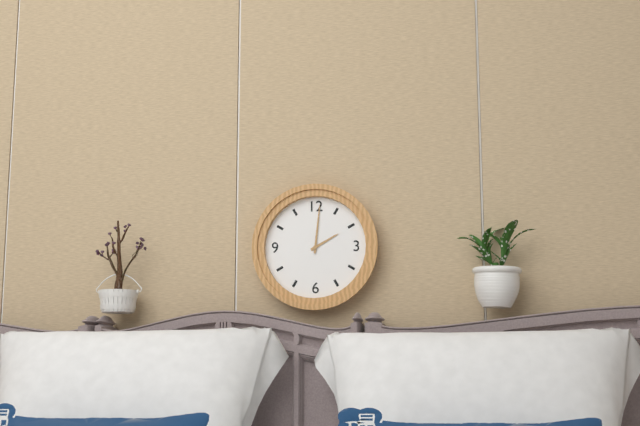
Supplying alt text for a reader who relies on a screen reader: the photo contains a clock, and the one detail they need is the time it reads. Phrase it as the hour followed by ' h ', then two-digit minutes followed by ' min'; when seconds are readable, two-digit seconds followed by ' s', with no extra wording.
2 h 01 min
